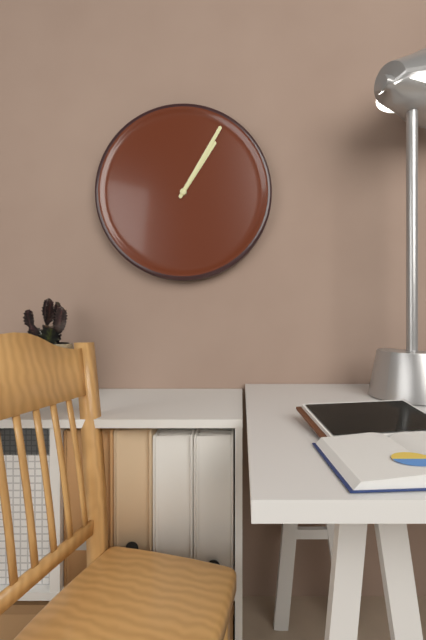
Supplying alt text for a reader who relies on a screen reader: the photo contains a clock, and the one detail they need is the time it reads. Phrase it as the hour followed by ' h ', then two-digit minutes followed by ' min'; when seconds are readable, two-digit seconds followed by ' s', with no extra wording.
1 h 05 min
